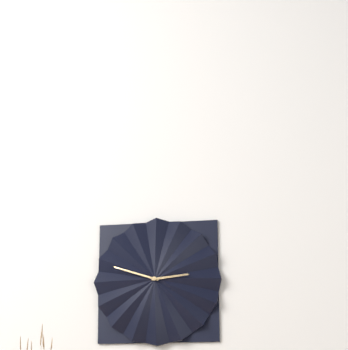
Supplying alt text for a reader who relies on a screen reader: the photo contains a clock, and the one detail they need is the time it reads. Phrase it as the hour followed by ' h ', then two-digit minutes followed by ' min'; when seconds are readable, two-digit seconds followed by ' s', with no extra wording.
2 h 48 min
